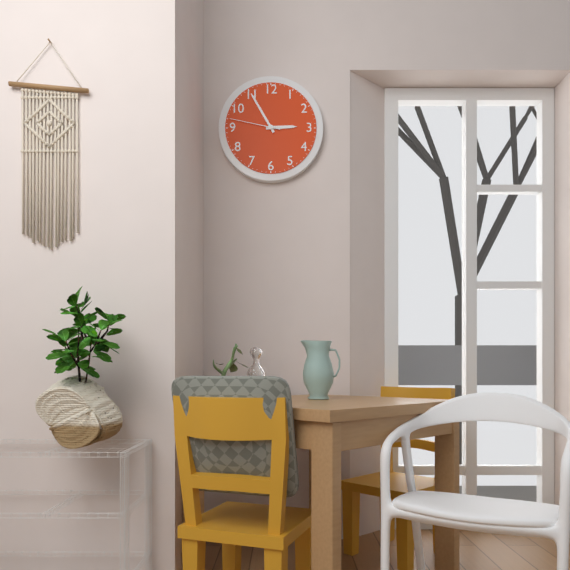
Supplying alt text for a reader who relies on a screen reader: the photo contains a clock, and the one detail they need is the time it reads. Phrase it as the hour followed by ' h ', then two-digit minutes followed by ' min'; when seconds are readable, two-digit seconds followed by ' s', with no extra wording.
2 h 55 min 47 s
